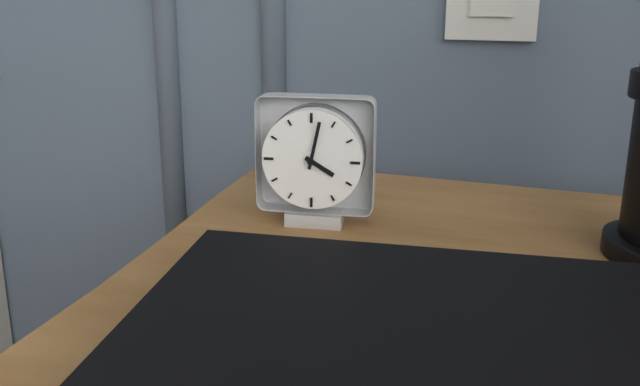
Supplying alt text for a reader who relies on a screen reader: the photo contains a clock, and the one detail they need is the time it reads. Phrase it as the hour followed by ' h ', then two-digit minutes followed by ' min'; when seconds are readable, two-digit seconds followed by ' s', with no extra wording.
4 h 02 min
